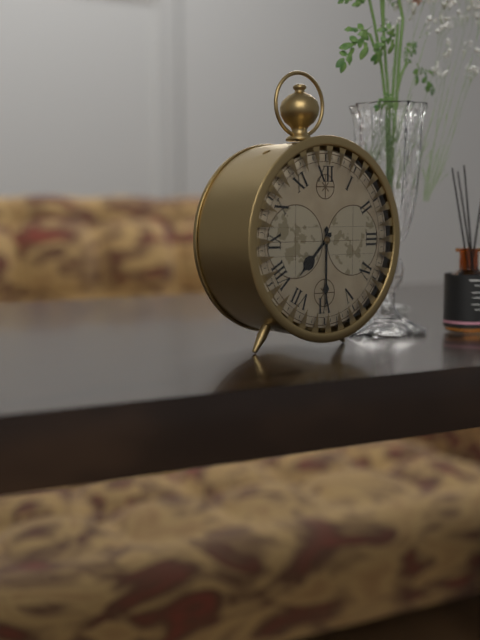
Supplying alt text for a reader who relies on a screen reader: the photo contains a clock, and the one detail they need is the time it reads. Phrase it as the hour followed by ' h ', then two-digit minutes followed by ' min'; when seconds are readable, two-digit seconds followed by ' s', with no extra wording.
7 h 30 min
